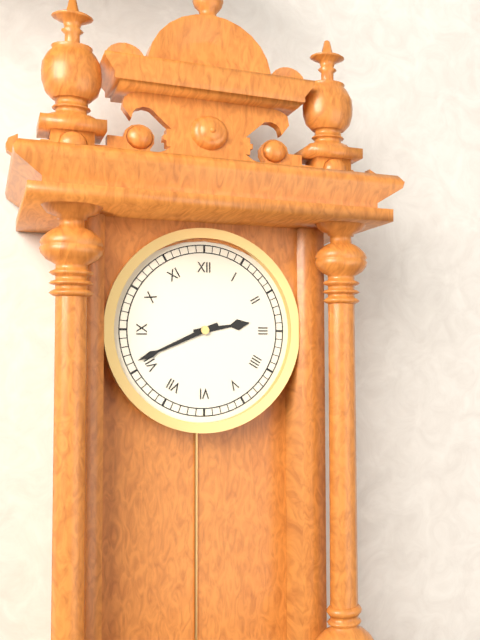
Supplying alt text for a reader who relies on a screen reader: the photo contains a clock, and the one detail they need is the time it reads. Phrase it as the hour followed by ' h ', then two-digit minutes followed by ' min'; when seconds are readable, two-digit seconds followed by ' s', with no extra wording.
2 h 41 min
